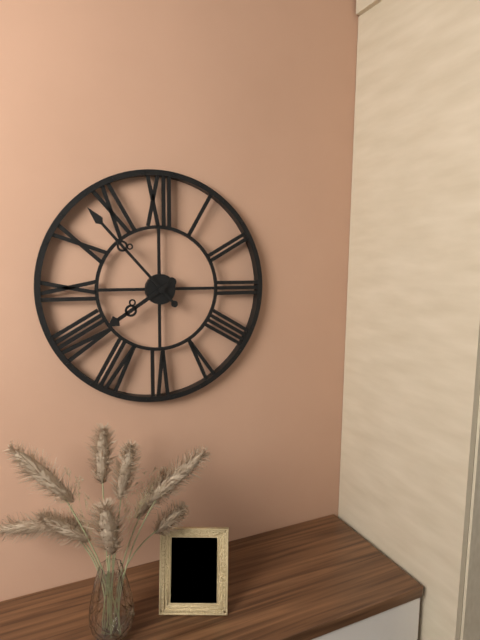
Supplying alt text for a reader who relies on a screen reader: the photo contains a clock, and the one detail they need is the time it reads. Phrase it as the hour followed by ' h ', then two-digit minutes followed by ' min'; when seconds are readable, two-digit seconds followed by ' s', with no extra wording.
7 h 53 min
